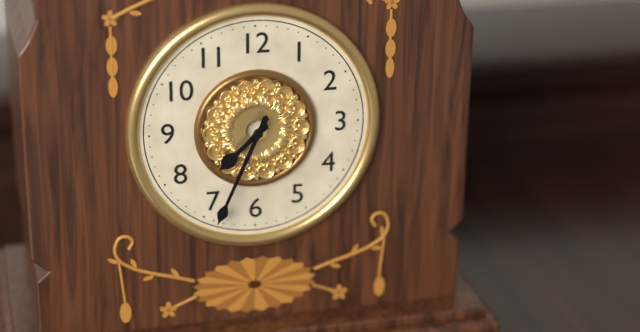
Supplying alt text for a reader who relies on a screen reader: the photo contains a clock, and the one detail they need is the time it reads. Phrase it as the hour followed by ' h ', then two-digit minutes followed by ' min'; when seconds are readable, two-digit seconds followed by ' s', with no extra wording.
7 h 34 min
